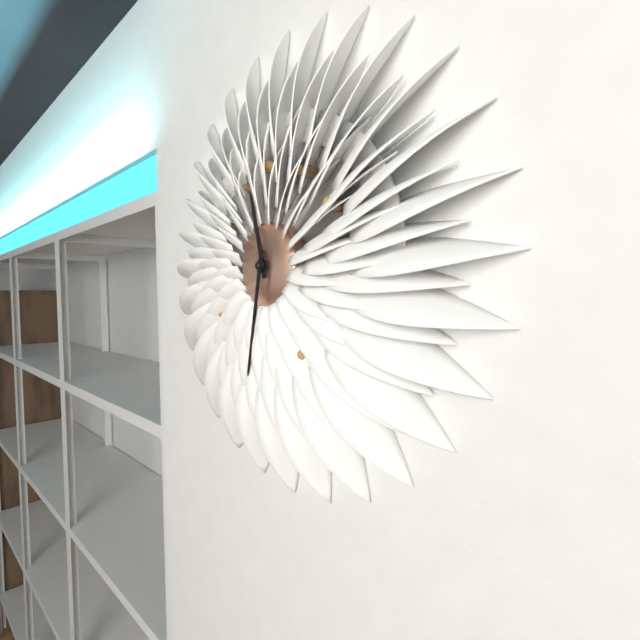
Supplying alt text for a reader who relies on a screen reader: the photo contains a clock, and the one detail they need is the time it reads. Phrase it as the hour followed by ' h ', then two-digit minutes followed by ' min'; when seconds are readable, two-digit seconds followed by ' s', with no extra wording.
11 h 32 min
